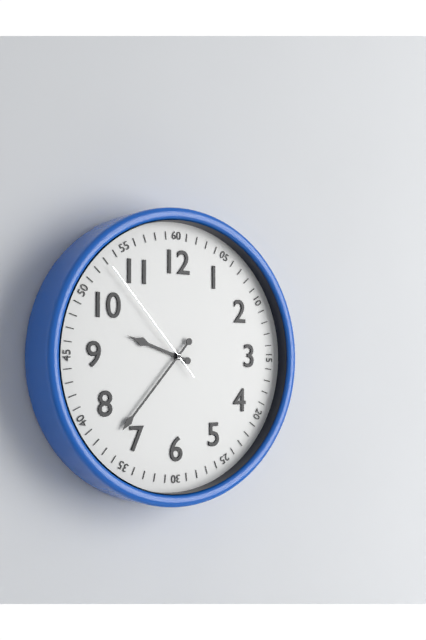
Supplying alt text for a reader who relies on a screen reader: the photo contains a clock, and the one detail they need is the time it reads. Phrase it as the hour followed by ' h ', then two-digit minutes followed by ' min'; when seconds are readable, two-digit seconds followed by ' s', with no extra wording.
9 h 37 min 53 s
